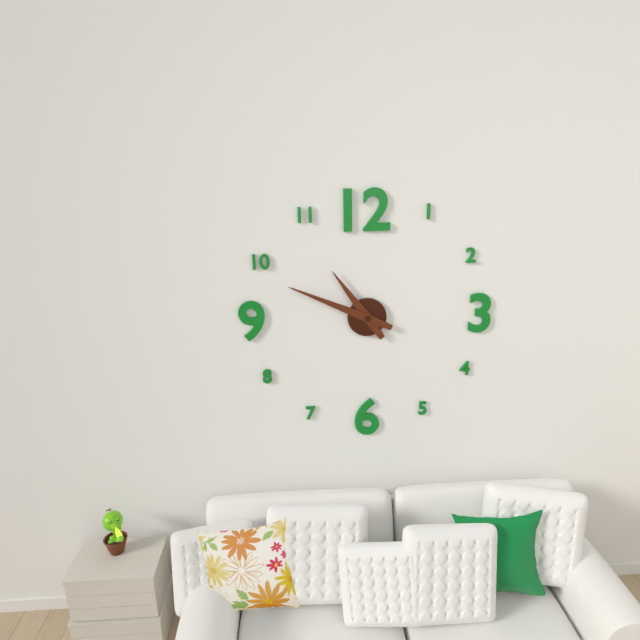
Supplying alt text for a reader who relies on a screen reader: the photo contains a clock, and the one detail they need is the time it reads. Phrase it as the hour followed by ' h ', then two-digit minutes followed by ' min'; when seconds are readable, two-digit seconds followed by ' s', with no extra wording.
10 h 49 min
